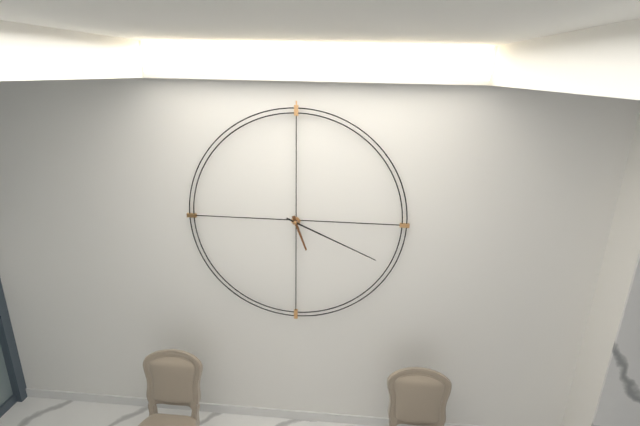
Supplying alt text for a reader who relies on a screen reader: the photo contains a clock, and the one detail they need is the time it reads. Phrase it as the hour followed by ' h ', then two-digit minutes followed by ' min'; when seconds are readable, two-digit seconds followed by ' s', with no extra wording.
5 h 19 min
